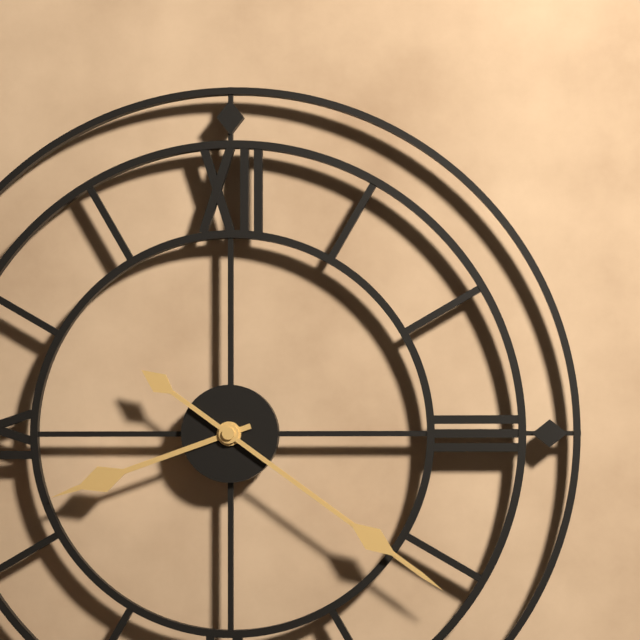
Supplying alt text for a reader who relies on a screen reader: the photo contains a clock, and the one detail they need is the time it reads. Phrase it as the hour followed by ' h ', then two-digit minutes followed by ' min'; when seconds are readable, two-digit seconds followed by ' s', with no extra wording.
8 h 21 min
